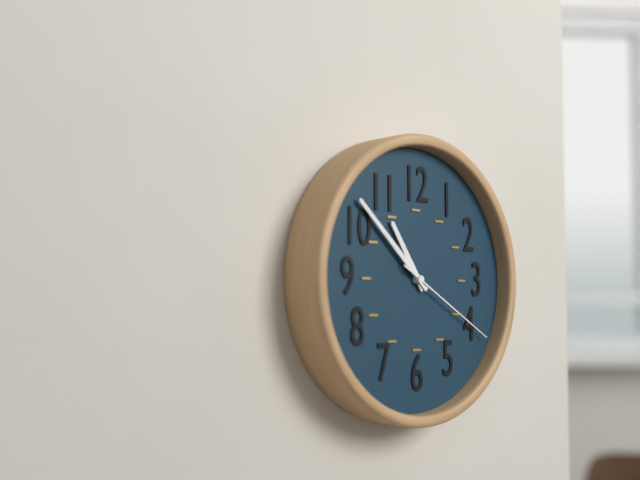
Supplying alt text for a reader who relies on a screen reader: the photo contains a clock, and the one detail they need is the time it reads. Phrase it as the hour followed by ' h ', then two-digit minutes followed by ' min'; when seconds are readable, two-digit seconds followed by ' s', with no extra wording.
10 h 52 min 20 s
